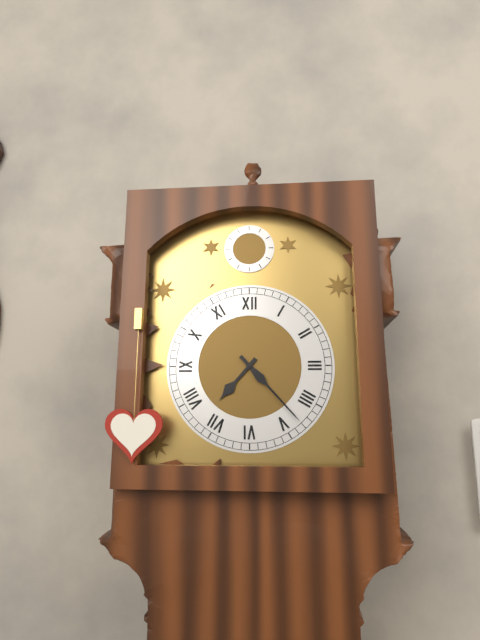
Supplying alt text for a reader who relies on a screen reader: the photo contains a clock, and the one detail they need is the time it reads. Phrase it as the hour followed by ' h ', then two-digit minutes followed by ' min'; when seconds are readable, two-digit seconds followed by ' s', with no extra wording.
7 h 23 min
